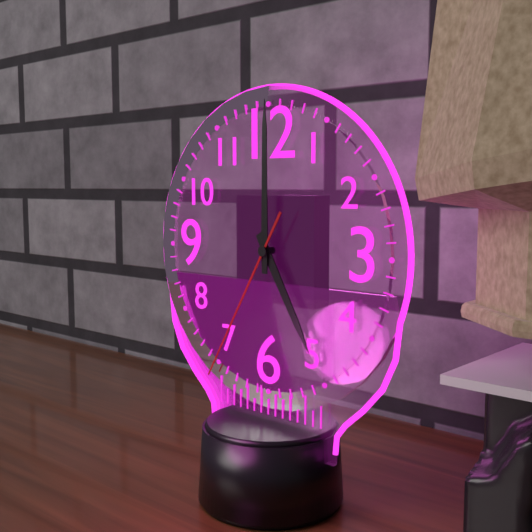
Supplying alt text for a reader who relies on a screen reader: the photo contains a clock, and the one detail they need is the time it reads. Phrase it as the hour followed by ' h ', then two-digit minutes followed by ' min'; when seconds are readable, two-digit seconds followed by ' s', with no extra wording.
5 h 00 min 35 s
